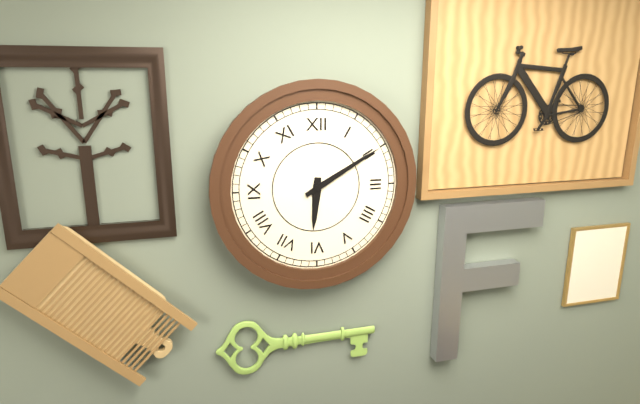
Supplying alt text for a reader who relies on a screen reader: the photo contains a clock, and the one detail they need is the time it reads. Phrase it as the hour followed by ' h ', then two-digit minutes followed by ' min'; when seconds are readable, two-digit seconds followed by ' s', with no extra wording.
6 h 10 min
